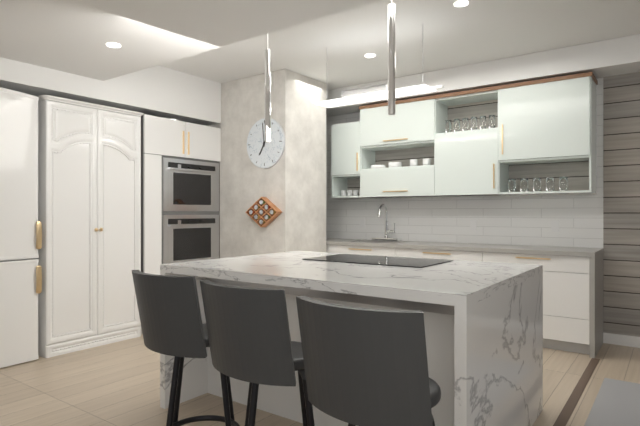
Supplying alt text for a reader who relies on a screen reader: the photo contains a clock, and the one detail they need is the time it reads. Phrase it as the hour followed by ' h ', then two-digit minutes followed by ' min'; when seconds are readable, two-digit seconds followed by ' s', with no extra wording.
6 h 59 min
